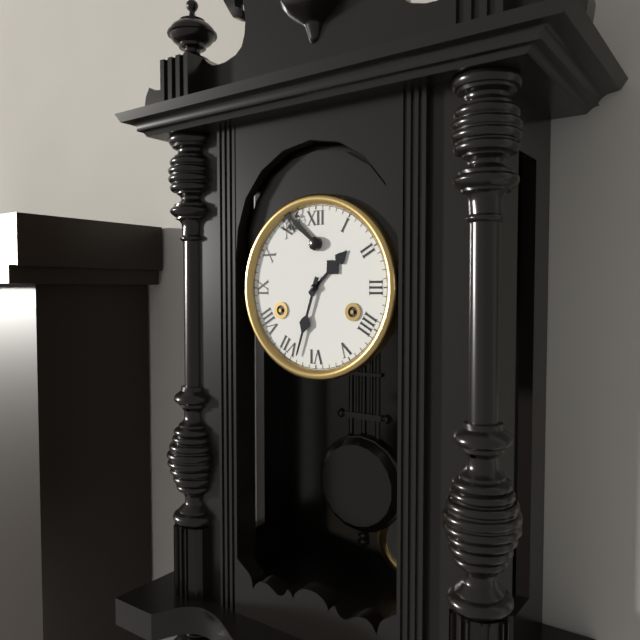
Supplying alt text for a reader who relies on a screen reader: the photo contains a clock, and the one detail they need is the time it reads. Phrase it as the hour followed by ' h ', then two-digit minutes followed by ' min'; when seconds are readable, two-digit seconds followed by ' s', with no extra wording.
1 h 33 min
